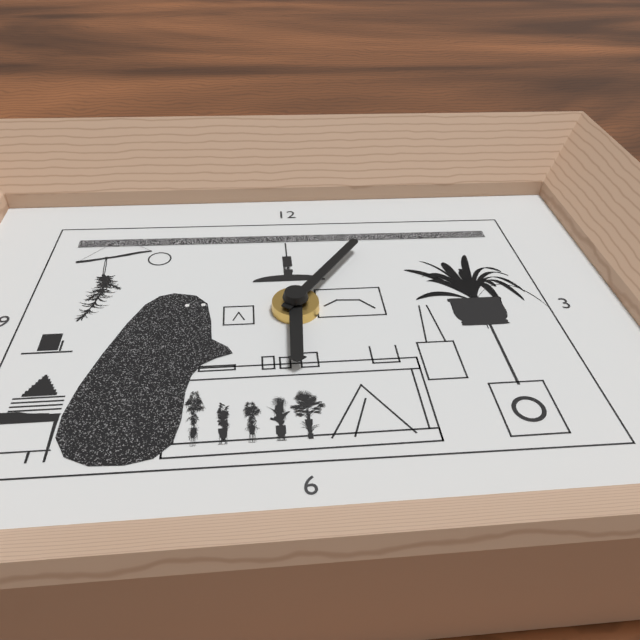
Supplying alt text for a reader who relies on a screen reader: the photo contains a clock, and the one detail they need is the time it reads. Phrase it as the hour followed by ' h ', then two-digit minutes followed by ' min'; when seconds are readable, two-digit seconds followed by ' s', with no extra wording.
6 h 06 min
